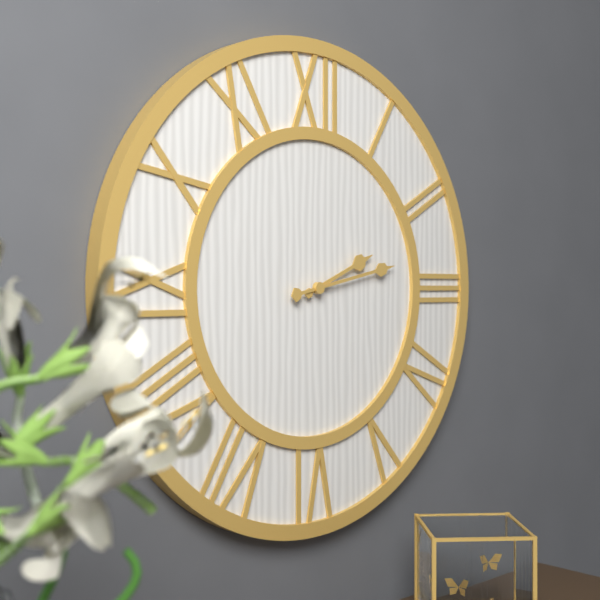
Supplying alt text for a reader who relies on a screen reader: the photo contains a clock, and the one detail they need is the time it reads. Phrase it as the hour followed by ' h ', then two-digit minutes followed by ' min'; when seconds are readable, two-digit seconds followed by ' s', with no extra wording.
2 h 13 min
